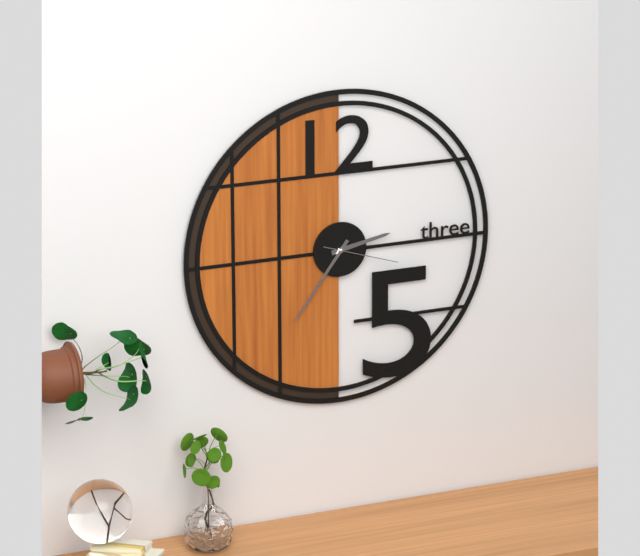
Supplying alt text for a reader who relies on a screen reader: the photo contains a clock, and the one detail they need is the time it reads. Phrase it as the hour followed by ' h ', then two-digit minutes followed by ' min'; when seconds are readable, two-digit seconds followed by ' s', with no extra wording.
2 h 36 min 18 s
